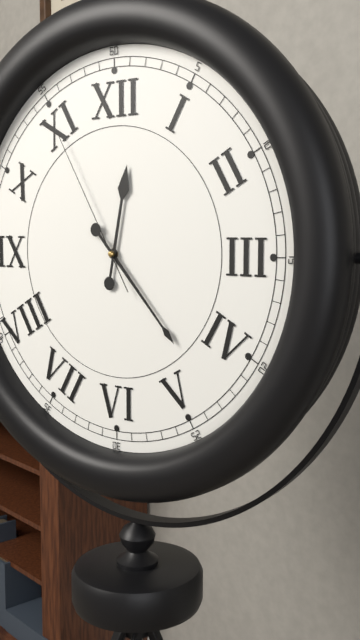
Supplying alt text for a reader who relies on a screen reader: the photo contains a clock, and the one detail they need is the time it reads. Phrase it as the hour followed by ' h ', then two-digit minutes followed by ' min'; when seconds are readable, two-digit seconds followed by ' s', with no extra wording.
12 h 23 min 55 s
